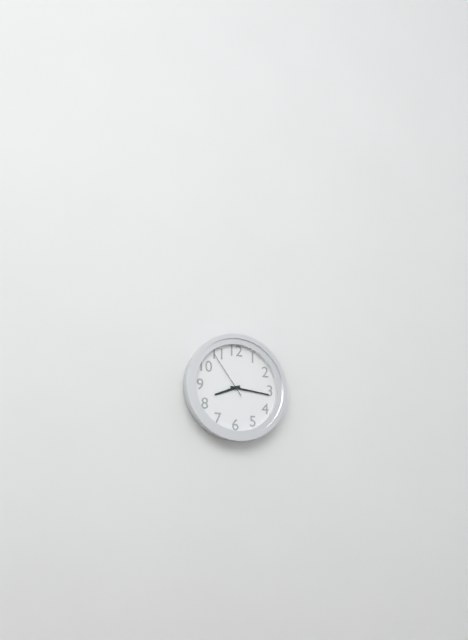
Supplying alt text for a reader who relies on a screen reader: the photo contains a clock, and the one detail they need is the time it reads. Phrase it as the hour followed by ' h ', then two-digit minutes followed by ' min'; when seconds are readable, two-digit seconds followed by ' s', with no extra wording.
8 h 16 min 54 s
